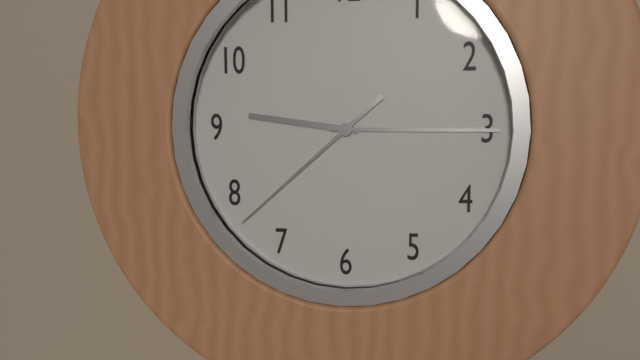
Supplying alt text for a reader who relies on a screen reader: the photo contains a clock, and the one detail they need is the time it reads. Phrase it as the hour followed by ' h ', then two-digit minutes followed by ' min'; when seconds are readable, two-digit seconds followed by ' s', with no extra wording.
9 h 15 min 38 s
